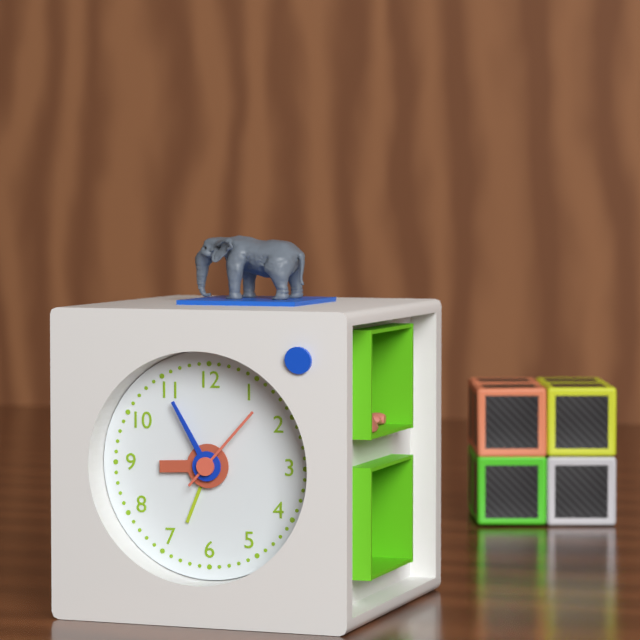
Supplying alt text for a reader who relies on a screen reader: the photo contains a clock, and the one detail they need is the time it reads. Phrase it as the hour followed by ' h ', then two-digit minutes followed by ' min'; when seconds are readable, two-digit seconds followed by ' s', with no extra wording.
8 h 55 min 07 s
